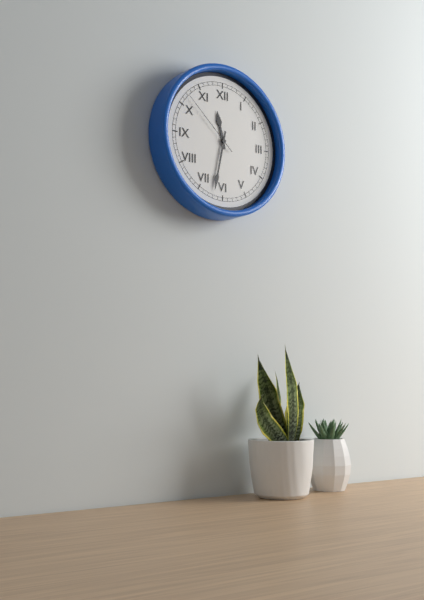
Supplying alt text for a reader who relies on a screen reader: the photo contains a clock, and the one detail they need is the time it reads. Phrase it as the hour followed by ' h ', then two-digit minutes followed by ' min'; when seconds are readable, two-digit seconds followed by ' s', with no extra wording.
11 h 32 min 52 s
